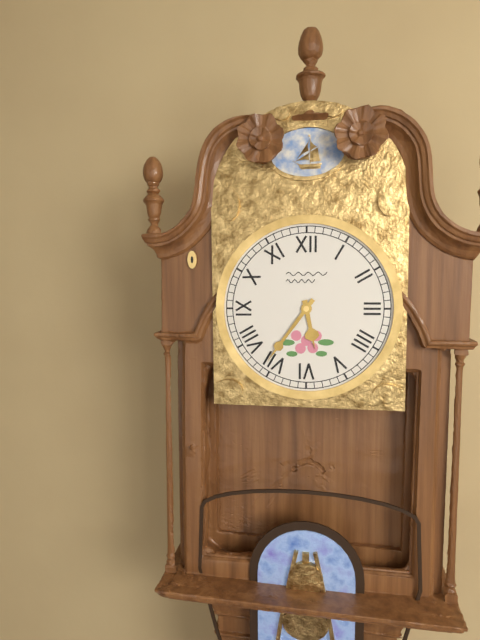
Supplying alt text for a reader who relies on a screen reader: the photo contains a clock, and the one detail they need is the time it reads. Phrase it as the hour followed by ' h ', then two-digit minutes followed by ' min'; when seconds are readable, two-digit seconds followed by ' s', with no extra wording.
5 h 36 min
